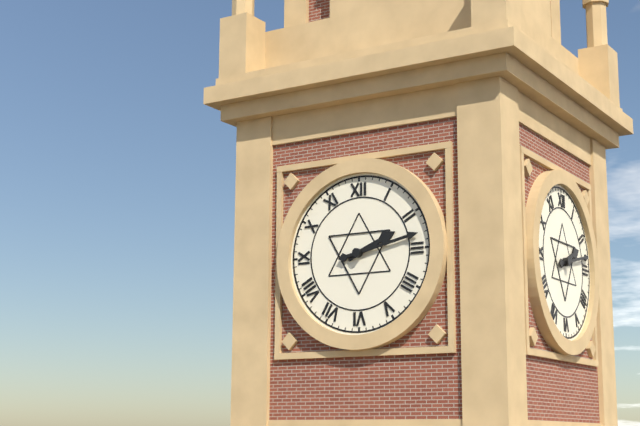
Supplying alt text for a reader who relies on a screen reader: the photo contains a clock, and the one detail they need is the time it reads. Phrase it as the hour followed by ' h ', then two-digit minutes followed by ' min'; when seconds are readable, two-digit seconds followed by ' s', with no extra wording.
2 h 13 min
